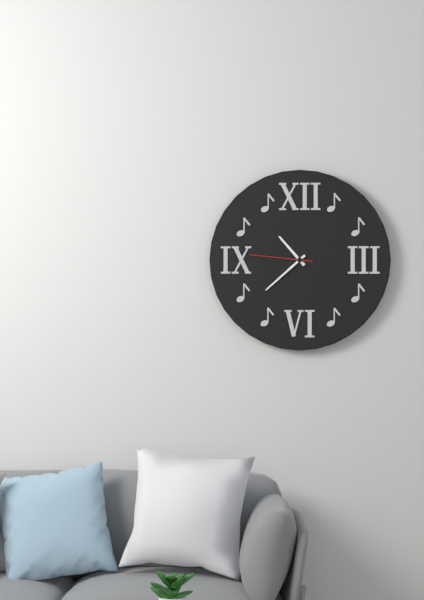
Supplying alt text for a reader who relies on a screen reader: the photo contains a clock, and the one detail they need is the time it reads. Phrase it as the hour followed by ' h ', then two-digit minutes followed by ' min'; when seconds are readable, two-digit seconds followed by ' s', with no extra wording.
10 h 38 min 46 s
